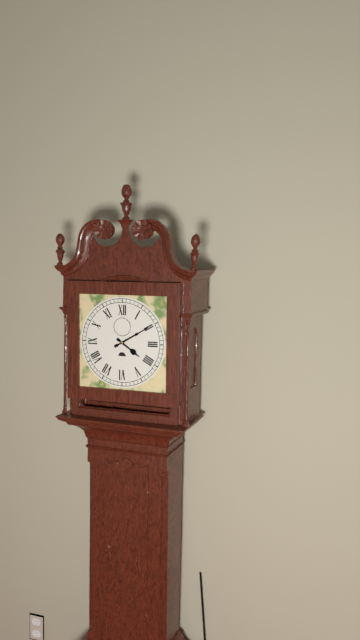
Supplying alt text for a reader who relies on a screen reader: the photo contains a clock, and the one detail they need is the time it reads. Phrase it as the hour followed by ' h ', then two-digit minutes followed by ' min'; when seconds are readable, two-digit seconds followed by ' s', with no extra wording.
4 h 10 min
